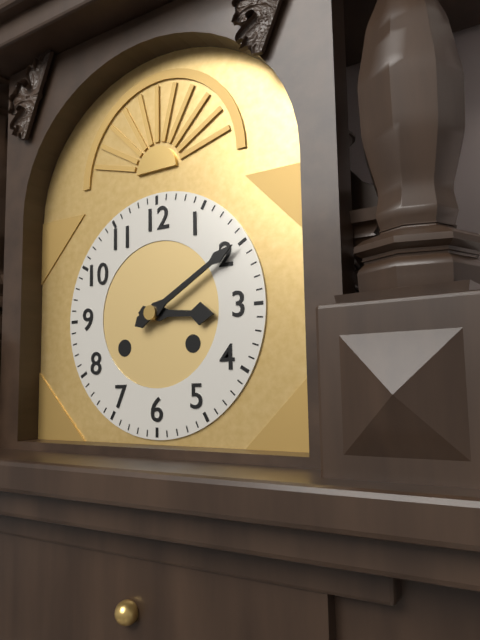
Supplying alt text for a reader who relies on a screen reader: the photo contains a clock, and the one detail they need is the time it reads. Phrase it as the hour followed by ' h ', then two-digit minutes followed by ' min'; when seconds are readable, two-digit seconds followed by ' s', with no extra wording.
3 h 10 min
